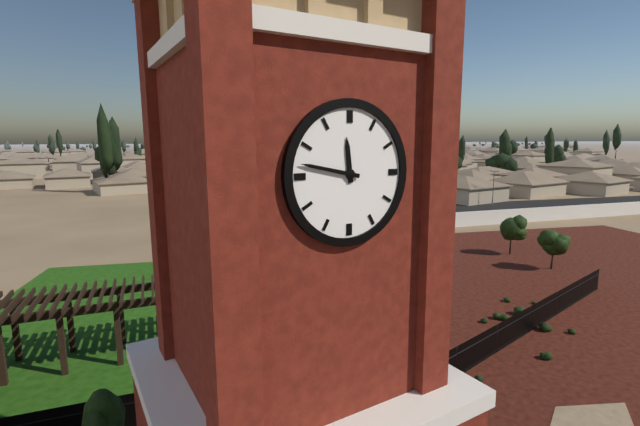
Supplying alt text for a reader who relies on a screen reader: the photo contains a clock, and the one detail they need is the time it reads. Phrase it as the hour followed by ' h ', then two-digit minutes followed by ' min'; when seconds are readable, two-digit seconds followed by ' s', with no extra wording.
11 h 47 min
